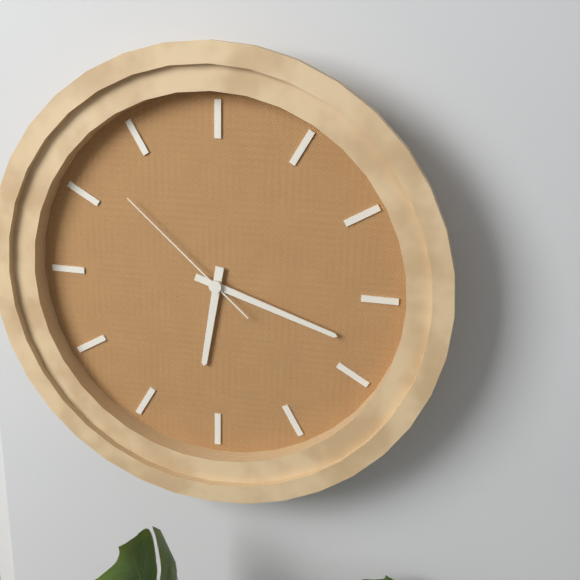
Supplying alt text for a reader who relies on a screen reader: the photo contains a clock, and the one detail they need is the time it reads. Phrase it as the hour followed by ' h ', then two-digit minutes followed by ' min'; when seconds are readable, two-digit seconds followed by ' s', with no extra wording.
6 h 18 min 52 s
